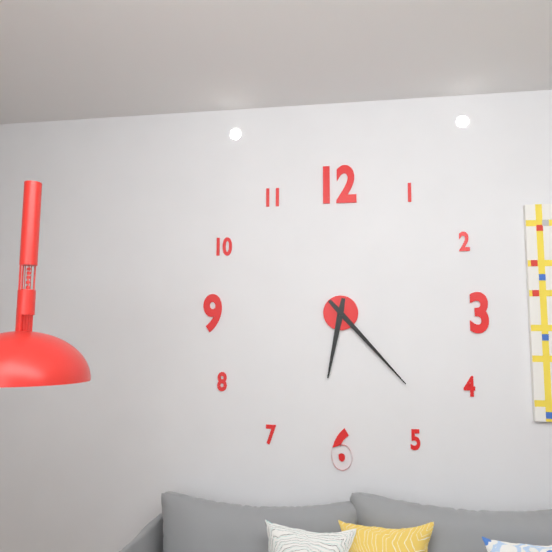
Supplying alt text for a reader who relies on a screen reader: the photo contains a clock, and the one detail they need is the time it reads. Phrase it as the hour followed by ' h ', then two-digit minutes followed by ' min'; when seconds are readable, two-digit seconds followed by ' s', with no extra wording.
6 h 23 min
